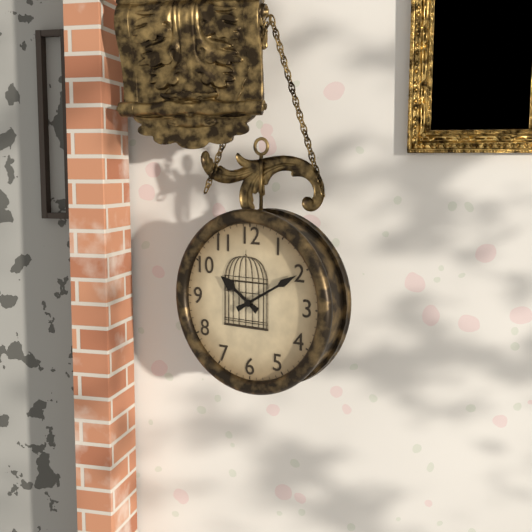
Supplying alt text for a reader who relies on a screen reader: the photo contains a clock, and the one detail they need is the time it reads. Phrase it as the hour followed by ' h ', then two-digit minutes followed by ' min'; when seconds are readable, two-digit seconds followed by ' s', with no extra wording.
10 h 10 min
